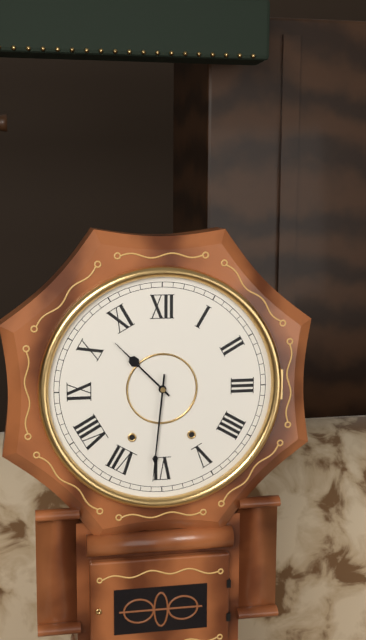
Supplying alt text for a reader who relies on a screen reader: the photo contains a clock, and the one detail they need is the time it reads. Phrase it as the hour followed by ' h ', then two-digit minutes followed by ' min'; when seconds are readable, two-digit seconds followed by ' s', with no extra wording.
10 h 31 min
